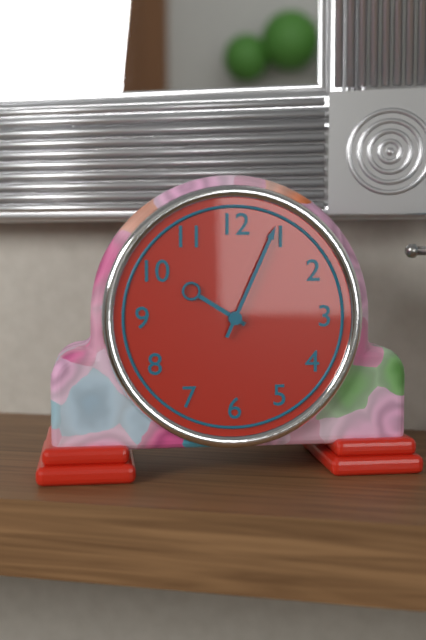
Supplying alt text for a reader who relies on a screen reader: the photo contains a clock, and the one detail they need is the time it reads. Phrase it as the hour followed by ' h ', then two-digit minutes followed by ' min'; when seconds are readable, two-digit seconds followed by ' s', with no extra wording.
10 h 04 min
